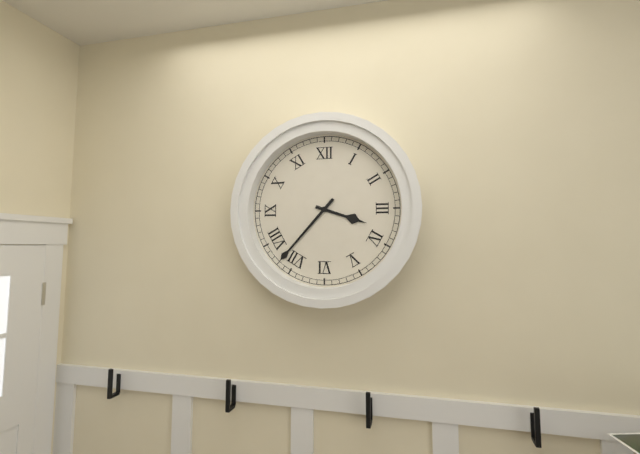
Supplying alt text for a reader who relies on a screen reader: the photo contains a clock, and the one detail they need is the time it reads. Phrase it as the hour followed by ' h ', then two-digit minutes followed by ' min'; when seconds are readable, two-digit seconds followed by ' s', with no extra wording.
3 h 37 min
